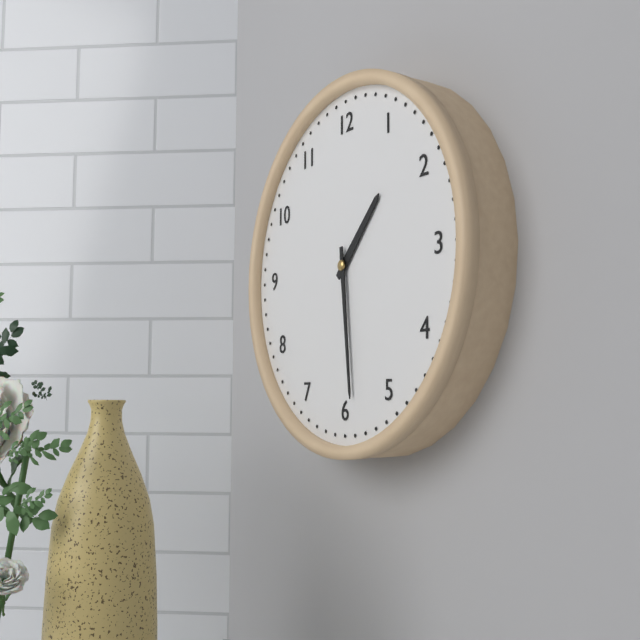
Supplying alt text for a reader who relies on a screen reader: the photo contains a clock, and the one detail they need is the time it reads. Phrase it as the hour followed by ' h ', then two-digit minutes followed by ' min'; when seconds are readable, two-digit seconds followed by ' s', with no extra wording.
1 h 29 min
